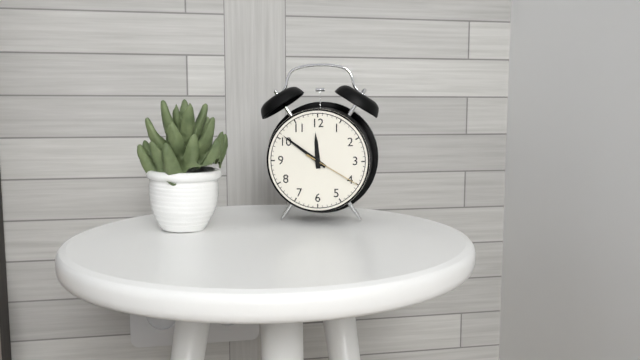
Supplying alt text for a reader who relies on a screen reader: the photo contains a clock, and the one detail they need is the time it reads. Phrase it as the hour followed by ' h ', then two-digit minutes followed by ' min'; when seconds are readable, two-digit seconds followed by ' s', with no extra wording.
11 h 51 min 20 s
